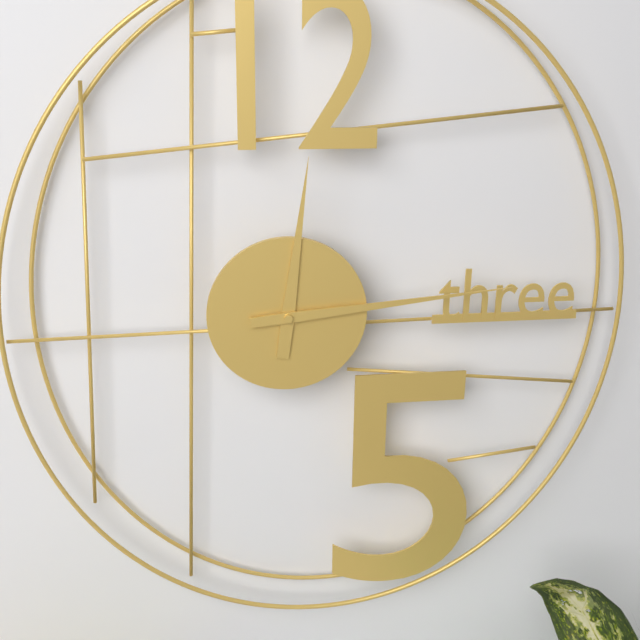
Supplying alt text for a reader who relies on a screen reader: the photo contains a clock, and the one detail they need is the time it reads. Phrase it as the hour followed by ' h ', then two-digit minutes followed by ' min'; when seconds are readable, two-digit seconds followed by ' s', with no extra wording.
12 h 14 min
